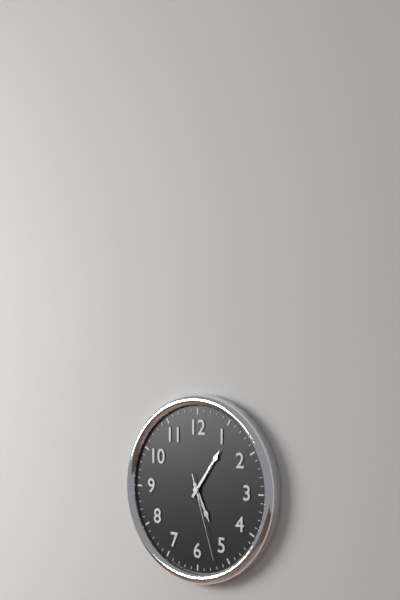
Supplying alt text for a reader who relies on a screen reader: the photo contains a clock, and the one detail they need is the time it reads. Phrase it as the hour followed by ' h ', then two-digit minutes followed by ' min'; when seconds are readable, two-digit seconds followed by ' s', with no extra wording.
5 h 06 min 27 s
